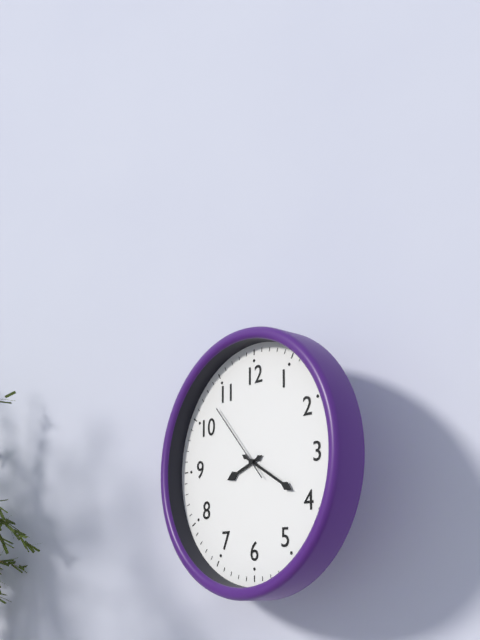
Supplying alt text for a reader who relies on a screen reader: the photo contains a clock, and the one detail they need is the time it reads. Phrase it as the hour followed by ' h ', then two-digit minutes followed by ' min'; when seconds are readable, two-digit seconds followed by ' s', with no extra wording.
8 h 20 min 53 s
